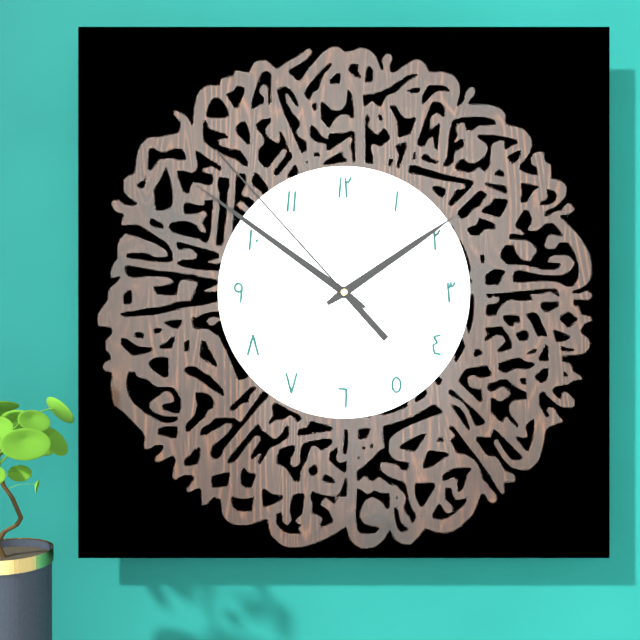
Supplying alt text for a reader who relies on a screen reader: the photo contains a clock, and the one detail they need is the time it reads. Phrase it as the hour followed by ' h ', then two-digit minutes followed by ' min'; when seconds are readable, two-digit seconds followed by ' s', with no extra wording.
1 h 51 min 53 s
